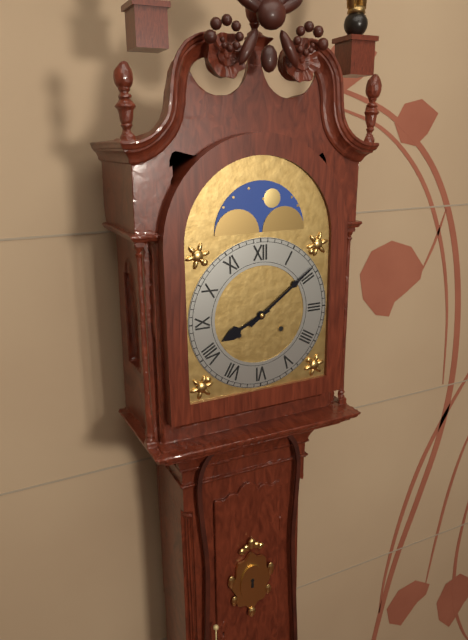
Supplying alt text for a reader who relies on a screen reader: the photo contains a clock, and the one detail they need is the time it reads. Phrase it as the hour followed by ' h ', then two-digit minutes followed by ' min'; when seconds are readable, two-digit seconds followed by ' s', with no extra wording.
8 h 09 min
